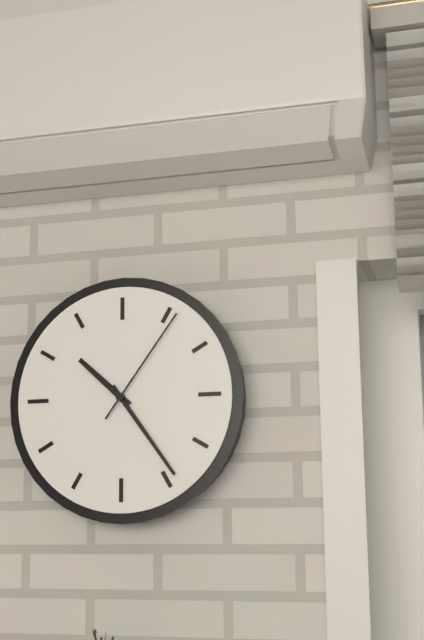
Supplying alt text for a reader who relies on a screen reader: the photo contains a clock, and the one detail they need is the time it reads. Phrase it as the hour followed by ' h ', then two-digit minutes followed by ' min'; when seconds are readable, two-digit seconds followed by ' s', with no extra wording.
10 h 24 min 06 s
